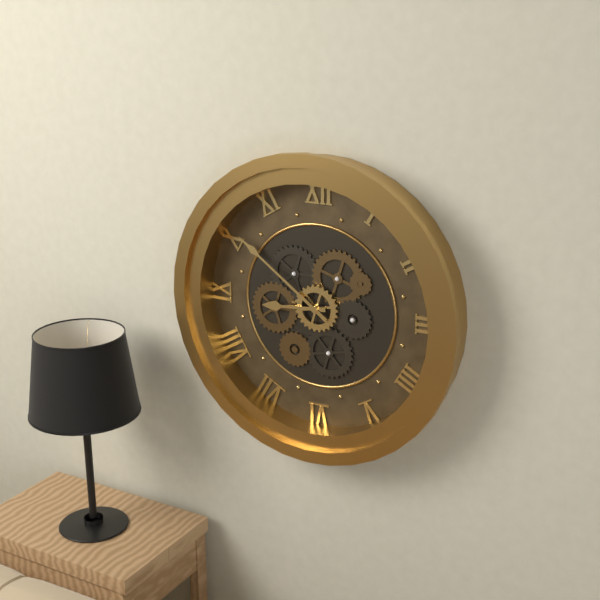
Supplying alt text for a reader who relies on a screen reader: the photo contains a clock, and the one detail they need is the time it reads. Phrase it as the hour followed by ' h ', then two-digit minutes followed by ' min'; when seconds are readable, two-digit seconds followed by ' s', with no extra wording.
8 h 51 min
